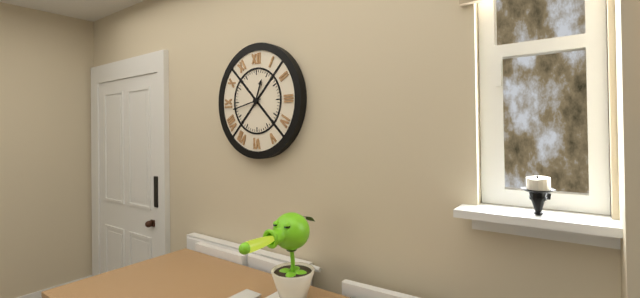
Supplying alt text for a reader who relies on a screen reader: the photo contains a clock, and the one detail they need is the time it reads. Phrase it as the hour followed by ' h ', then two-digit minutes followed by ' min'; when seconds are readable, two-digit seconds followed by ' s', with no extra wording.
12 h 43 min
